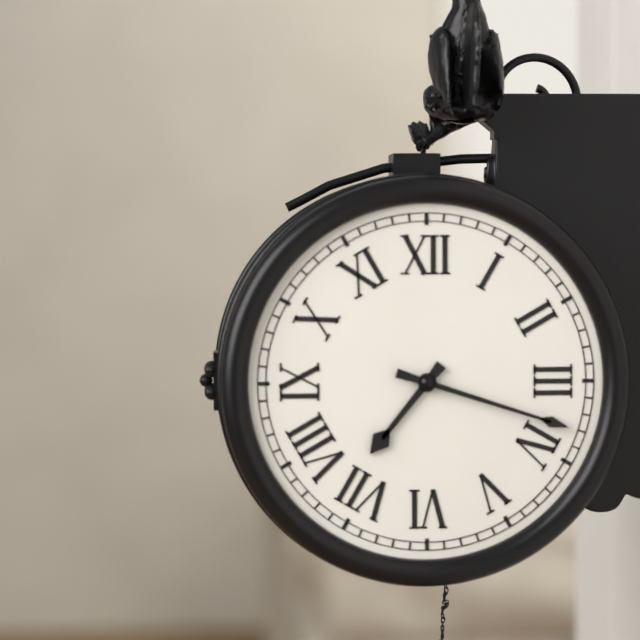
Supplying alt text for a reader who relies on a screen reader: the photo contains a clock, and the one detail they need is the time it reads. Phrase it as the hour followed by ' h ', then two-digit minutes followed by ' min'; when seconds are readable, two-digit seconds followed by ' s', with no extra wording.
7 h 18 min
